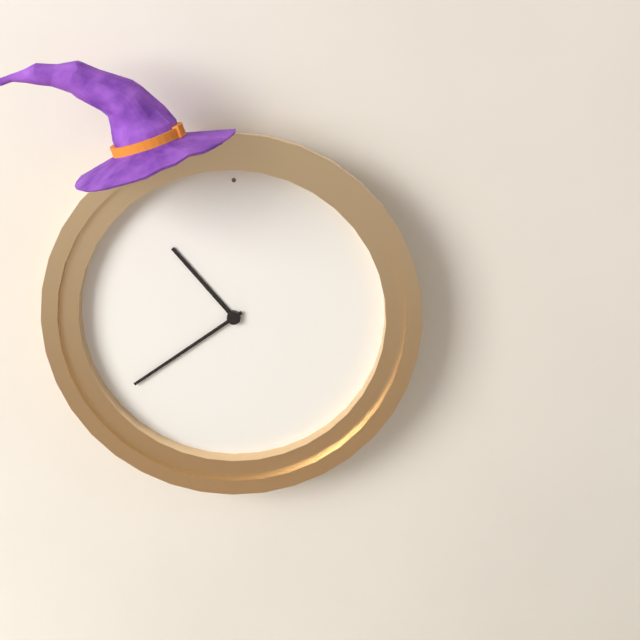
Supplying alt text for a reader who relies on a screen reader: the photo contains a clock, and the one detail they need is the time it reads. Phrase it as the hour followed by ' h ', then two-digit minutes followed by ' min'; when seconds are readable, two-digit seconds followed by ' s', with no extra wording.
10 h 39 min
